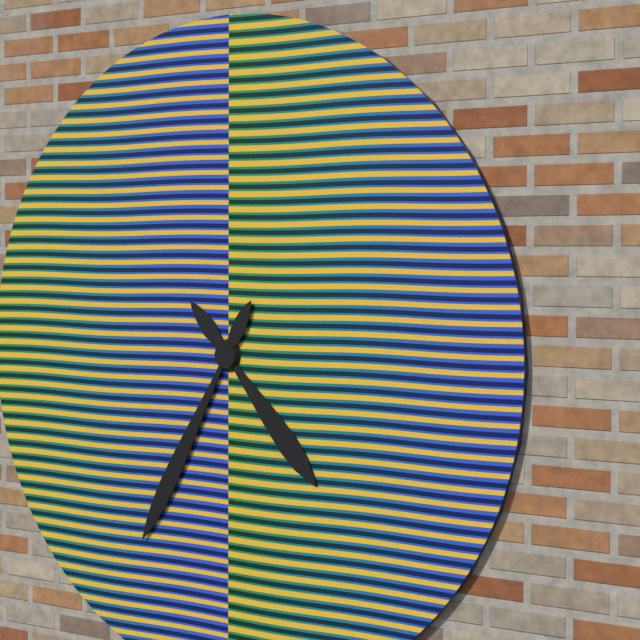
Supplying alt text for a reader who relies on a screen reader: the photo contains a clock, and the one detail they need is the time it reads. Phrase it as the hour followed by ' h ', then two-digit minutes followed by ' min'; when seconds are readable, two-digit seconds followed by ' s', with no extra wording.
4 h 35 min
